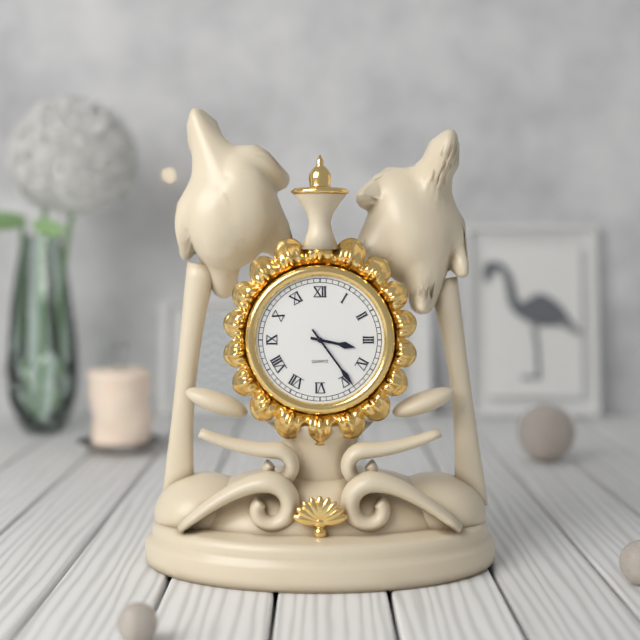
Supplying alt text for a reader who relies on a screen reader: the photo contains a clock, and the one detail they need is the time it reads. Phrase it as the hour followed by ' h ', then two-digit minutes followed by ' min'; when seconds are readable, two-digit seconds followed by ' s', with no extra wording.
3 h 24 min
